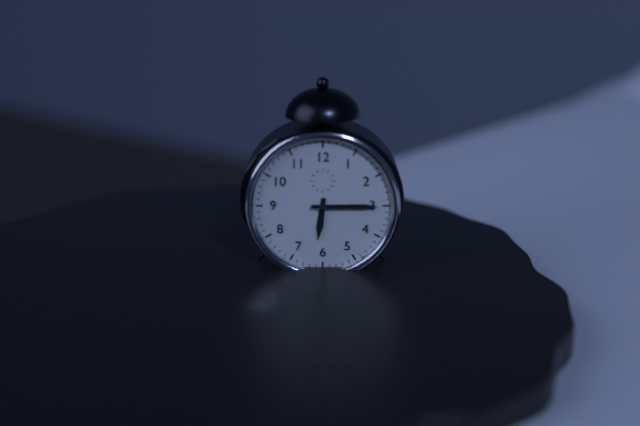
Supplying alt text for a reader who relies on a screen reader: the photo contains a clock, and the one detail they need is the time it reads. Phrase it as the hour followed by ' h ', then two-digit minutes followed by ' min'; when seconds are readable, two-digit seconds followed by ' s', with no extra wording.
6 h 15 min
